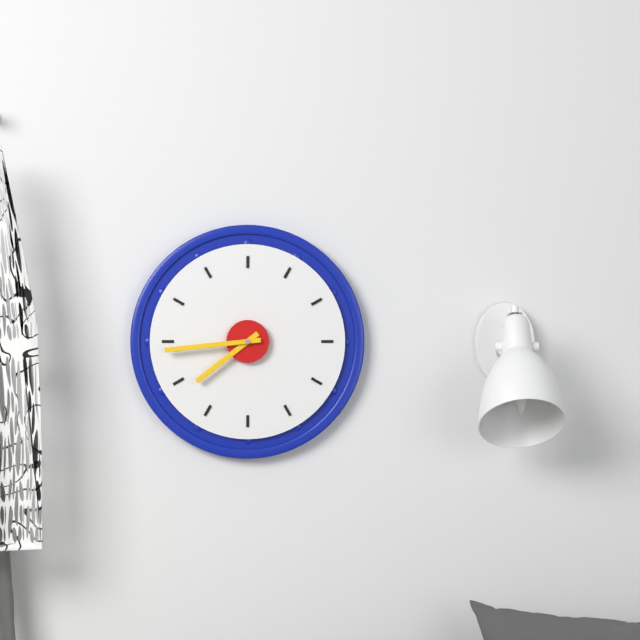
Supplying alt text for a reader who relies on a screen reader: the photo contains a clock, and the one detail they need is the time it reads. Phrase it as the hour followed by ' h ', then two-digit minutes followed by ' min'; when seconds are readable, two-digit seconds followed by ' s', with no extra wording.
7 h 44 min
